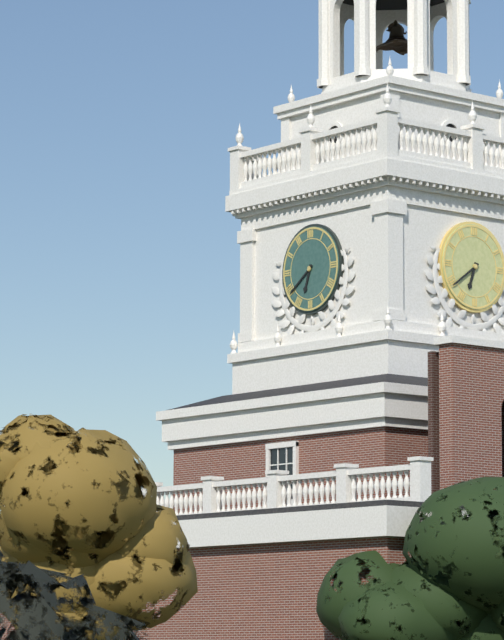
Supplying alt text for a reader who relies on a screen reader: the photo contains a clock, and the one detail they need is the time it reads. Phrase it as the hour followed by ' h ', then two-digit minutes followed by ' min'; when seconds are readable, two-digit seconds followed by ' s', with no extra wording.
6 h 39 min
